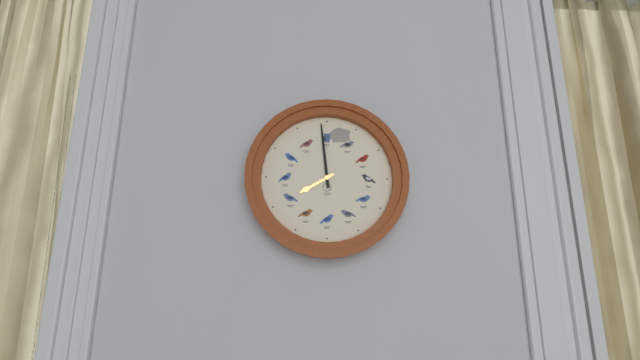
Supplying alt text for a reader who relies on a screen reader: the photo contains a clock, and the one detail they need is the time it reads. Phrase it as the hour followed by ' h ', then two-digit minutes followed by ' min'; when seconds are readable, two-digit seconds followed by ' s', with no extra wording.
7 h 59 min
